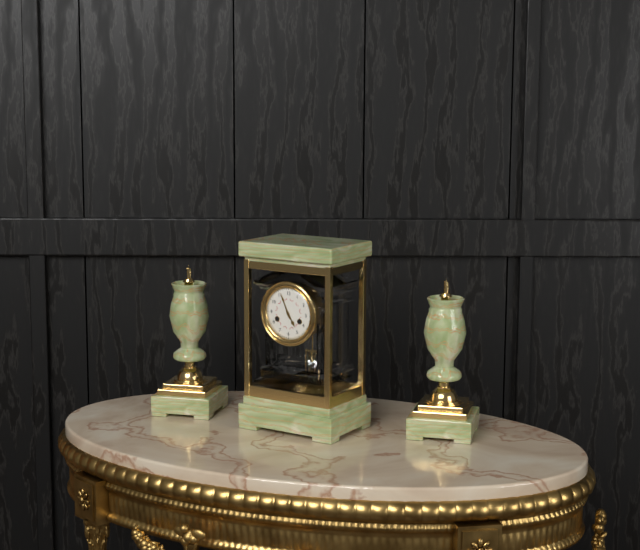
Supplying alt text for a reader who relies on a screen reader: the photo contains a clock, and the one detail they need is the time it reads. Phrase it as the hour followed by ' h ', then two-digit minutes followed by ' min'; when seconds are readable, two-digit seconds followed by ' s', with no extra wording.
4 h 56 min
